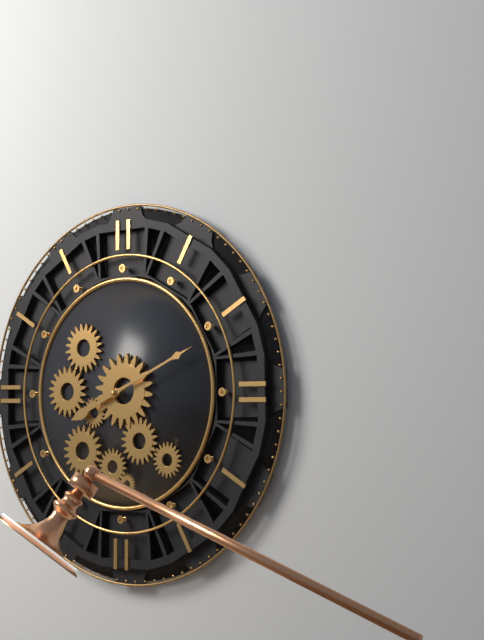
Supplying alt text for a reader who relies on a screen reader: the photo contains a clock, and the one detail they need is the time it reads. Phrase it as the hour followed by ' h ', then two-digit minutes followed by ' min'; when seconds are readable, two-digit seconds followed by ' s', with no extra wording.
8 h 11 min
